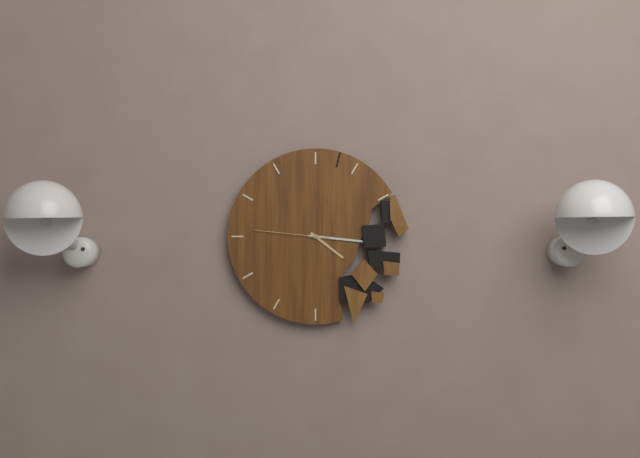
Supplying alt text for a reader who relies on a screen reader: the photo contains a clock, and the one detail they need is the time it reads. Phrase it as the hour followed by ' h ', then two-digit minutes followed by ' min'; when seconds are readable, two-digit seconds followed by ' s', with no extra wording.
4 h 16 min 46 s
